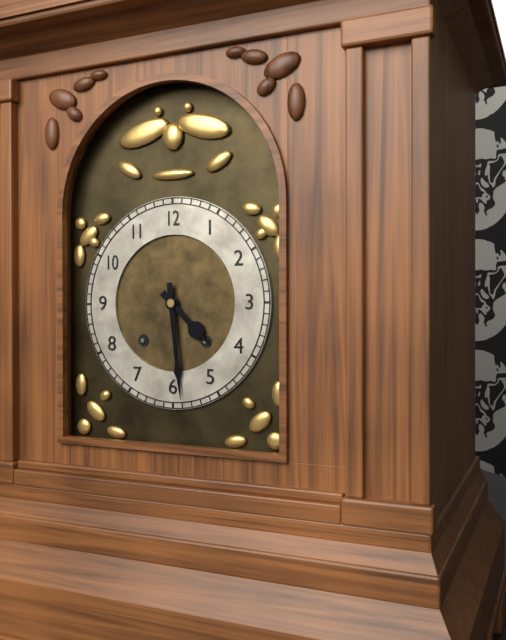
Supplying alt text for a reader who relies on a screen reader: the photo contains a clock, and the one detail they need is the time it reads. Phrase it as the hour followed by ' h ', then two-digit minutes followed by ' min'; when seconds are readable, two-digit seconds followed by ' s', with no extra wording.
4 h 29 min
